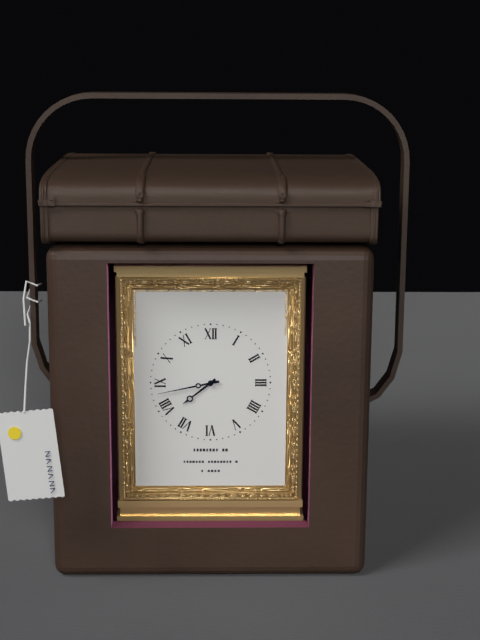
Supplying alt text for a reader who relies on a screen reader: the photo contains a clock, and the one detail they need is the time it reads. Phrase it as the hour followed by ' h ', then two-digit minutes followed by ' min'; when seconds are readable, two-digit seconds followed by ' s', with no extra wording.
7 h 43 min
